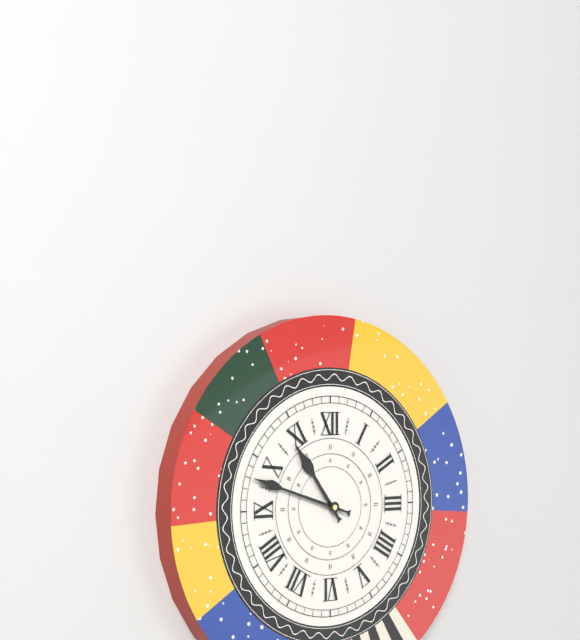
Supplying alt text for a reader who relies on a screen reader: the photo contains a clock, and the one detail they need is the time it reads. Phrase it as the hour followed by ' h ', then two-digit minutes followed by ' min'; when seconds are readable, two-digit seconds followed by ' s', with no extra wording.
10 h 48 min
